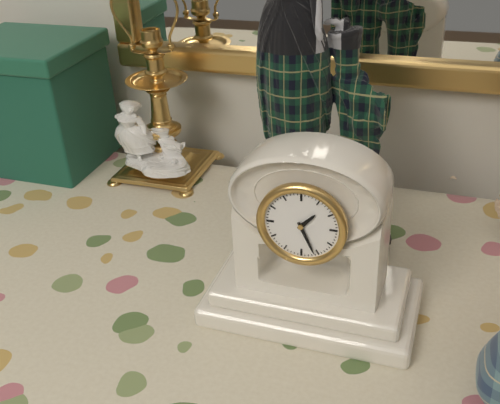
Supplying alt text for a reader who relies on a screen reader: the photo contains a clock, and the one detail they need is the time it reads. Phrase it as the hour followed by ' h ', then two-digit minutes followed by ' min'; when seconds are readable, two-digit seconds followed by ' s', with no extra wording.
1 h 26 min
